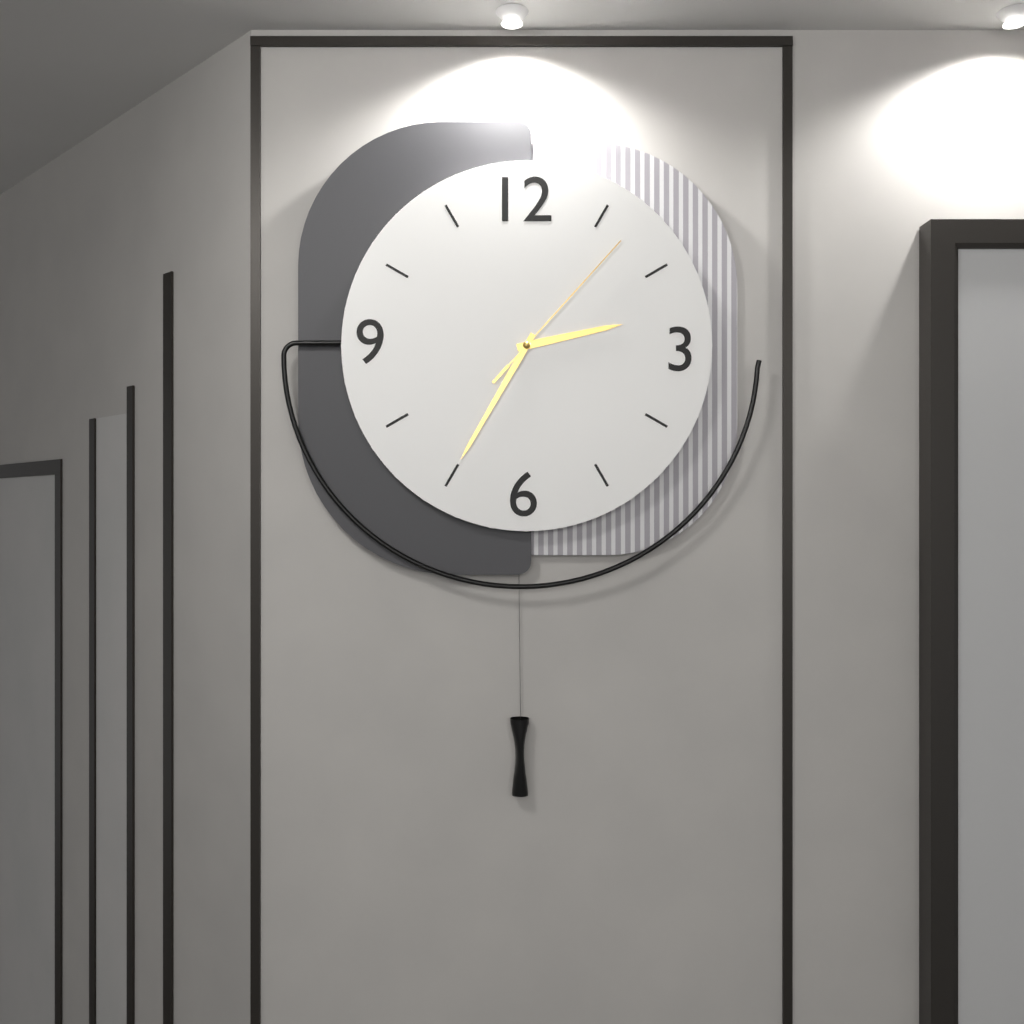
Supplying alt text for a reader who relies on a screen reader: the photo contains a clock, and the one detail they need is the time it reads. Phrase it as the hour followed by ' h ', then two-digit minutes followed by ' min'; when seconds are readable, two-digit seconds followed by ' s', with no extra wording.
2 h 35 min 07 s
